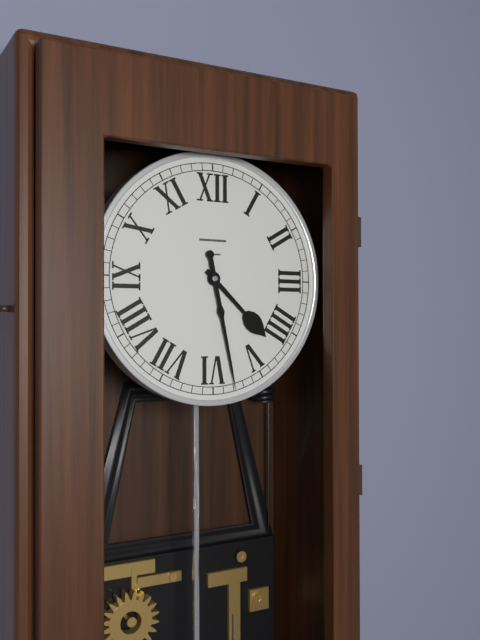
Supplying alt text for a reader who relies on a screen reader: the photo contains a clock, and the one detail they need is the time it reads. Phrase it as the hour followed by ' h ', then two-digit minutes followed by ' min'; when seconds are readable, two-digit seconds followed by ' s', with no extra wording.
4 h 28 min
